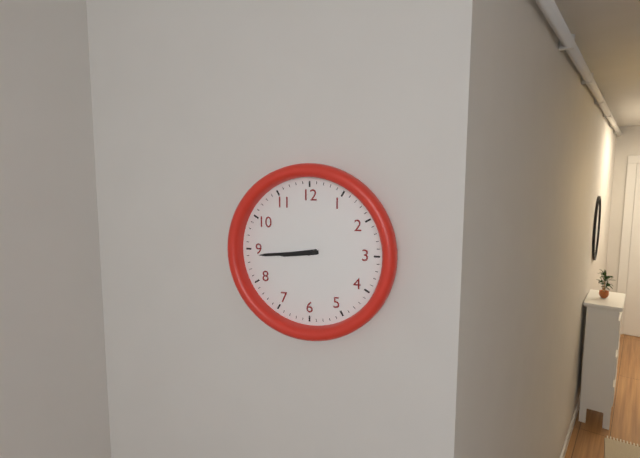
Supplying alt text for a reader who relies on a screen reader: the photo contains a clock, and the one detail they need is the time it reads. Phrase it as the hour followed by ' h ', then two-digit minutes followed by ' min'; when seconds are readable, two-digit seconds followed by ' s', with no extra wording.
8 h 44 min
